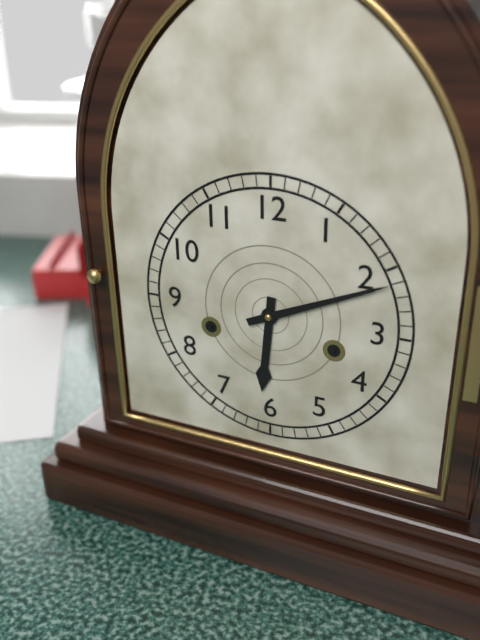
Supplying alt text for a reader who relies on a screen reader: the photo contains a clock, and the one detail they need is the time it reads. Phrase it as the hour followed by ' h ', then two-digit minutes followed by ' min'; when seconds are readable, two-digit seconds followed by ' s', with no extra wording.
6 h 11 min
